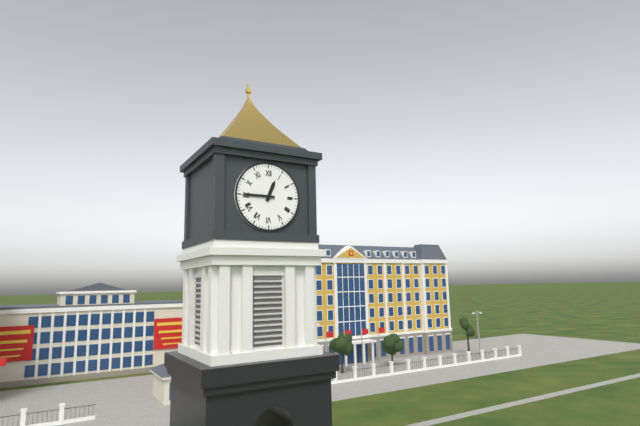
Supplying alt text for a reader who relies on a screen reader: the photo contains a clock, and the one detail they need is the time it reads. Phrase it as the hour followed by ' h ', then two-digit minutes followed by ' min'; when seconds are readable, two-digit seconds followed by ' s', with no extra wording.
12 h 45 min
